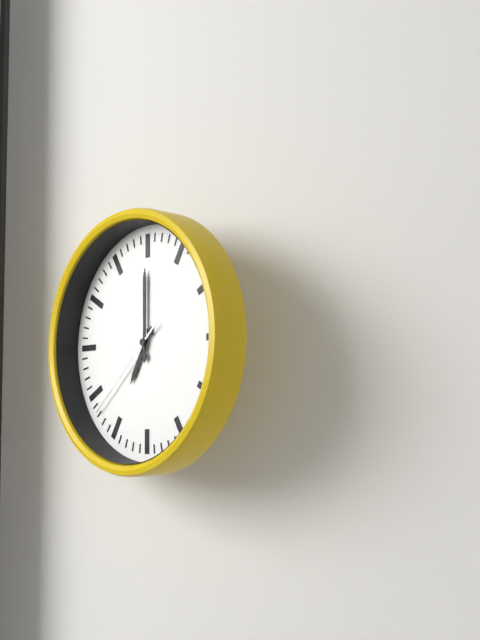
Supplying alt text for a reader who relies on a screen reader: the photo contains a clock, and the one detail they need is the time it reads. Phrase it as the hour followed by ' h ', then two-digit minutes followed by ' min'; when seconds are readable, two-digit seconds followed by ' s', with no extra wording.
7 h 00 min 38 s
